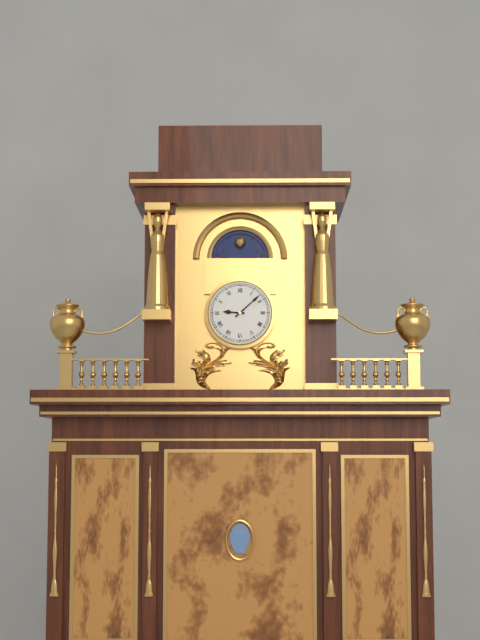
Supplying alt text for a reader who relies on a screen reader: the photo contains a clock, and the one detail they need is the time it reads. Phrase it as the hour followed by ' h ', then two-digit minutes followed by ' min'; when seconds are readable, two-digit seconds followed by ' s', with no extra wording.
9 h 08 min
